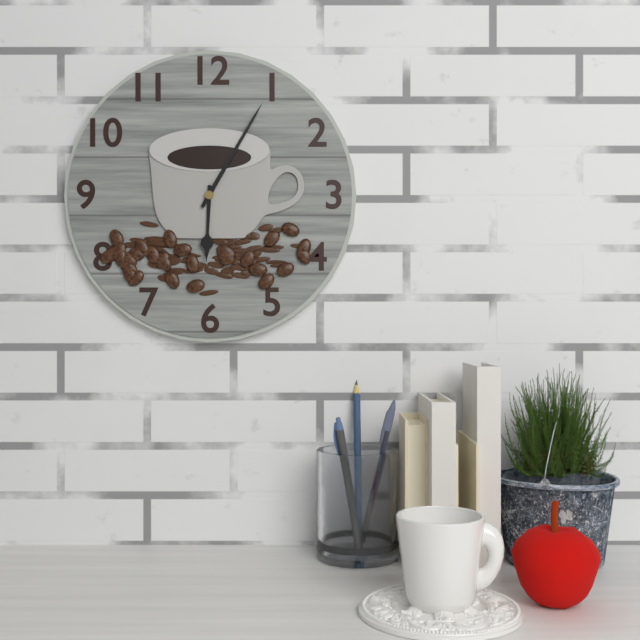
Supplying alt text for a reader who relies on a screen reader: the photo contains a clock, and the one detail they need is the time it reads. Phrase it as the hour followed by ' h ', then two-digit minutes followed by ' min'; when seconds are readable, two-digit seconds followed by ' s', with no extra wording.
6 h 05 min
